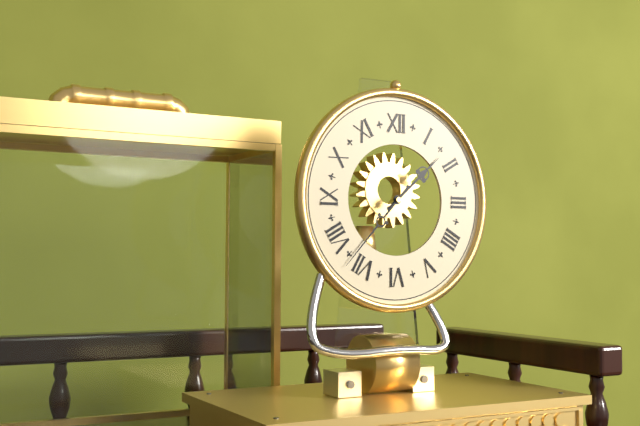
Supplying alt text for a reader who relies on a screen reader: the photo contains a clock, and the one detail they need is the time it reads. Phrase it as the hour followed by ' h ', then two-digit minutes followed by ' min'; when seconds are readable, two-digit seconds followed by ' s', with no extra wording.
1 h 37 min
